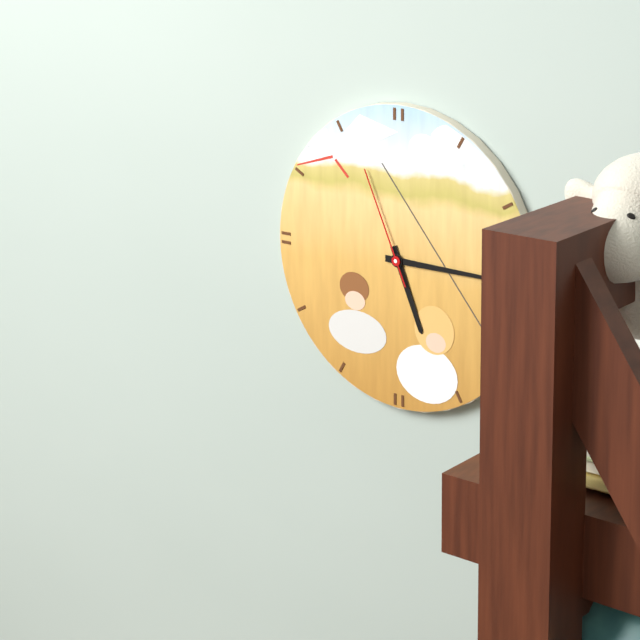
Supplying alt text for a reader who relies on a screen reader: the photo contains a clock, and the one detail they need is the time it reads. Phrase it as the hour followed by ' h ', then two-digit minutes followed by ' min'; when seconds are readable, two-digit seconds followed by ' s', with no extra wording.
5 h 15 min 56 s
